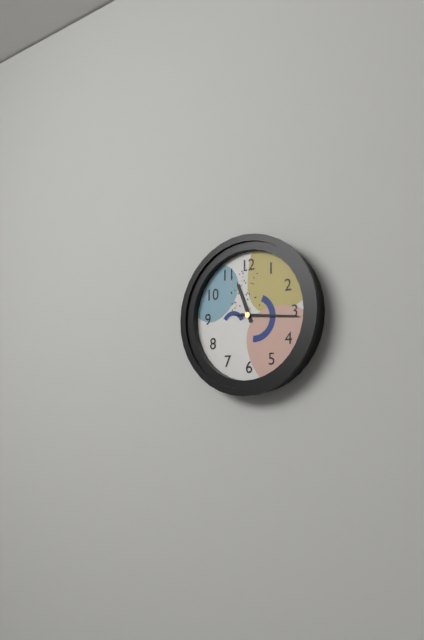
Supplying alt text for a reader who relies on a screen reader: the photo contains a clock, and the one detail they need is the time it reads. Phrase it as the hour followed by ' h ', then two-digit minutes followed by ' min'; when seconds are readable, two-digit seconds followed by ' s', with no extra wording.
11 h 16 min 16 s
